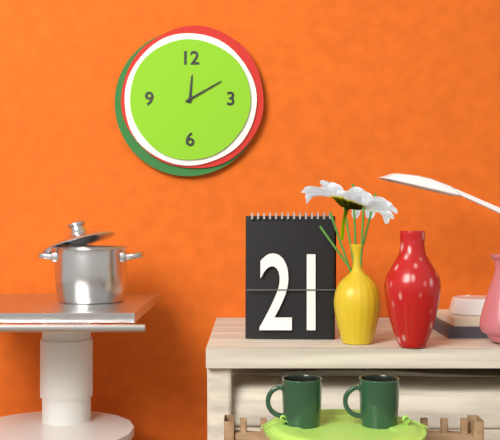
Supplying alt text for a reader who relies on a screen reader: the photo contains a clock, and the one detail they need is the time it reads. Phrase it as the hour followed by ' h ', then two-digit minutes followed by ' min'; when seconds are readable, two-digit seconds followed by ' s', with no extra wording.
12 h 10 min
